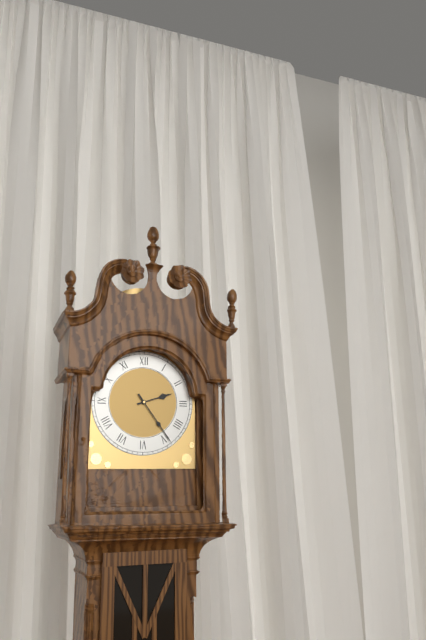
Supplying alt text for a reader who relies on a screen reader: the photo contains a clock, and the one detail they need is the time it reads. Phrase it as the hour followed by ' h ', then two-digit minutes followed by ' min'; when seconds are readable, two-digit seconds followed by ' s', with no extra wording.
2 h 24 min
